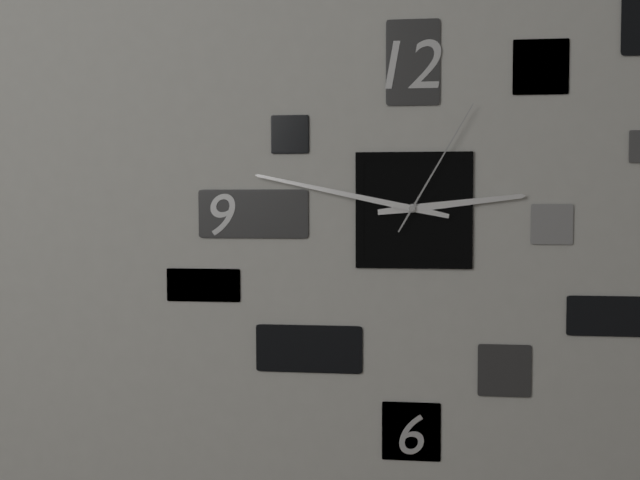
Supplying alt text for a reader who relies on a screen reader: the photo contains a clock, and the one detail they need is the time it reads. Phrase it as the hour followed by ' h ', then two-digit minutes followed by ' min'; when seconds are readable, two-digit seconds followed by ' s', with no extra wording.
2 h 47 min 05 s
